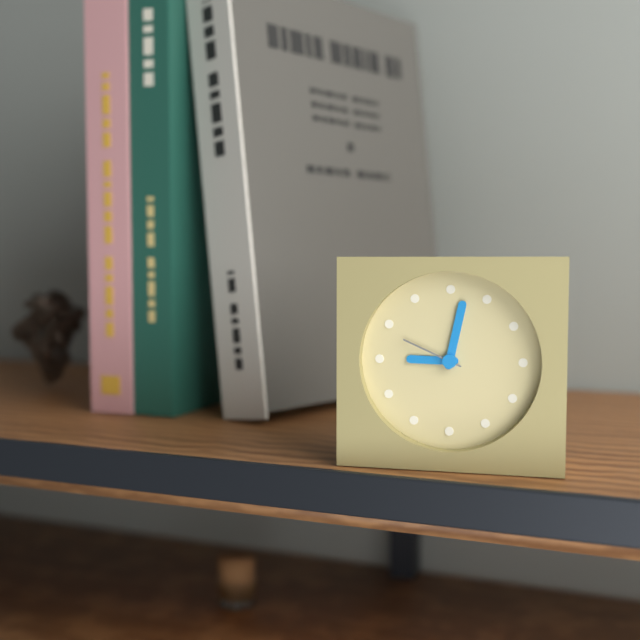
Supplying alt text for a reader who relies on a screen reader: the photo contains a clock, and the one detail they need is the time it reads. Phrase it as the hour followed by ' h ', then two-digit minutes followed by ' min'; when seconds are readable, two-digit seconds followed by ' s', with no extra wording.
9 h 02 min 49 s
